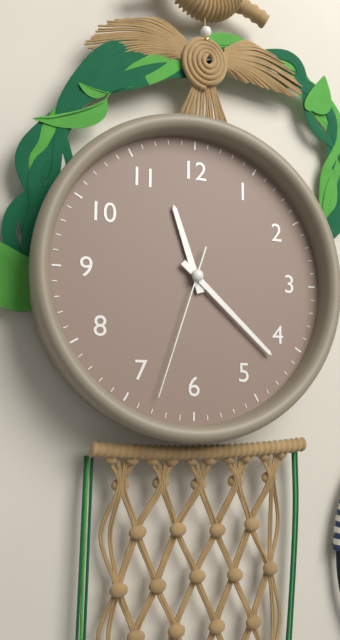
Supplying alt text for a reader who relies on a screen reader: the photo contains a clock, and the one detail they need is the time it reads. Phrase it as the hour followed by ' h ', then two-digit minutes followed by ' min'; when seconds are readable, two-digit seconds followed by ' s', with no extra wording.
11 h 22 min 33 s
